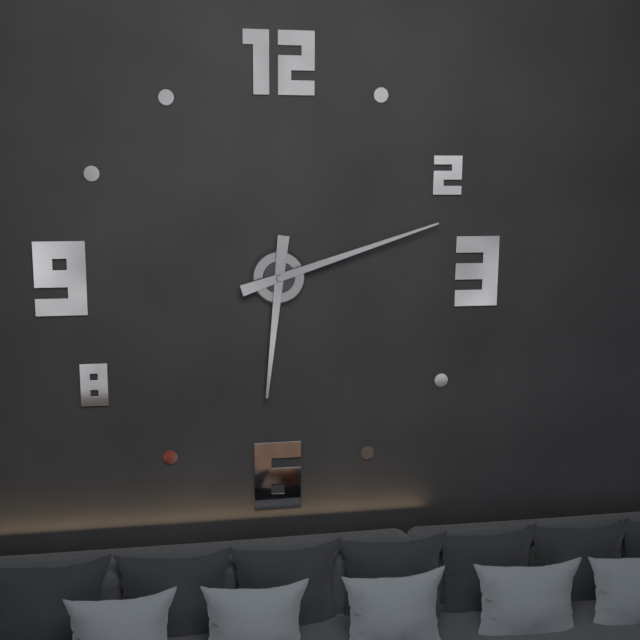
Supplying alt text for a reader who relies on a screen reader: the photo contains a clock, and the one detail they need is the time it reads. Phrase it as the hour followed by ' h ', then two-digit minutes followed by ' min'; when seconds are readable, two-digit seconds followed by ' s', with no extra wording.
6 h 12 min
